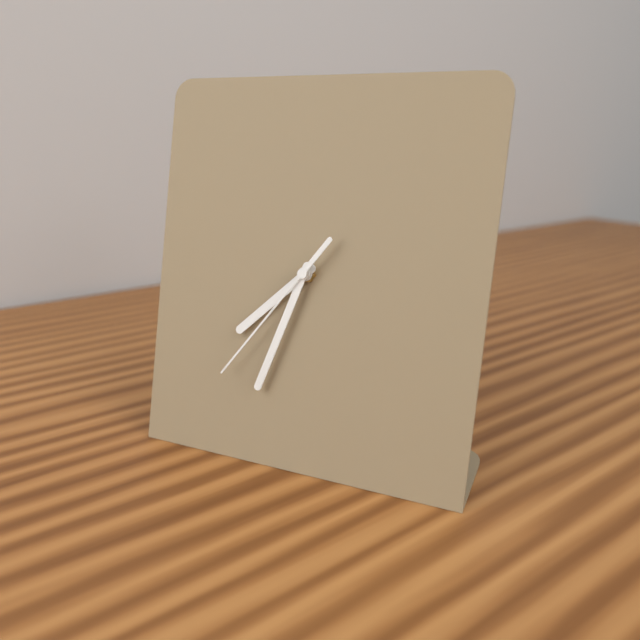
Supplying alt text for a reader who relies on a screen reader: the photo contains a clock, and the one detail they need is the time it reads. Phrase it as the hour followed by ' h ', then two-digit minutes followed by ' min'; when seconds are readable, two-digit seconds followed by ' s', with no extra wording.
7 h 33 min 36 s
